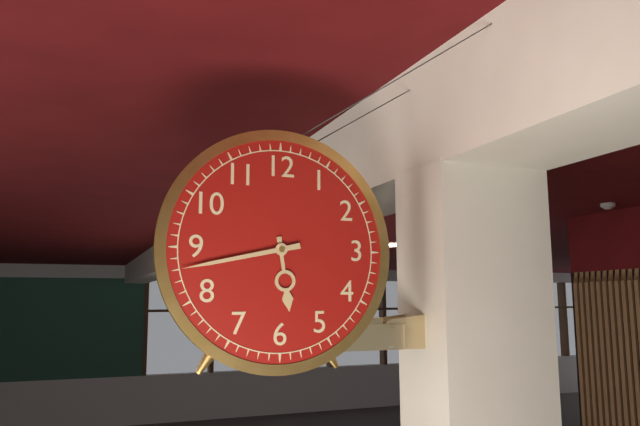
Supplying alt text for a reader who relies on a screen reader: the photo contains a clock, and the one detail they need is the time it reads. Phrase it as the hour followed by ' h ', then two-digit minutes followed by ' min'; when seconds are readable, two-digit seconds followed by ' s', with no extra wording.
5 h 43 min
